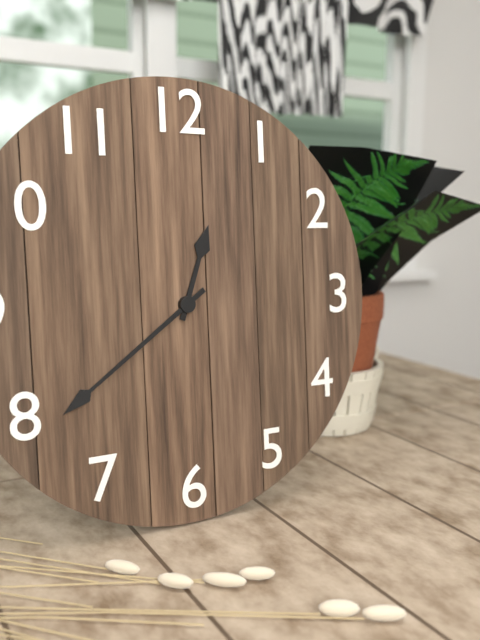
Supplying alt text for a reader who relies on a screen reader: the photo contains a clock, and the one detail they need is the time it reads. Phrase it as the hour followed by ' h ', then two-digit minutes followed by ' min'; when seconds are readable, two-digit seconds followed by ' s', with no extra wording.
12 h 39 min
